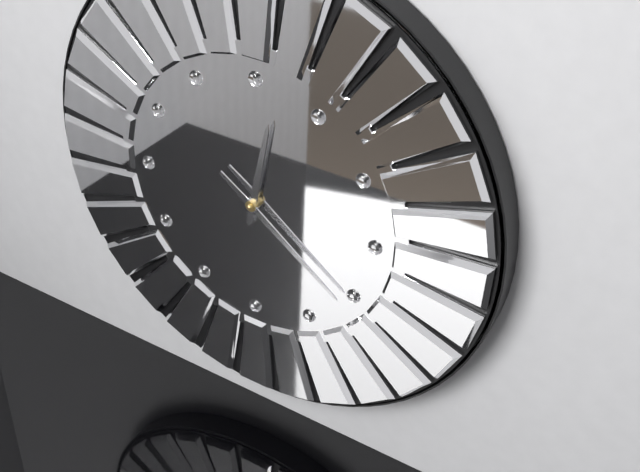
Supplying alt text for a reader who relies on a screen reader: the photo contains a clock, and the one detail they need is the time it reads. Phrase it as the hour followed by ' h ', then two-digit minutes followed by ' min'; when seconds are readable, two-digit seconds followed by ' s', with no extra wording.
12 h 21 min
